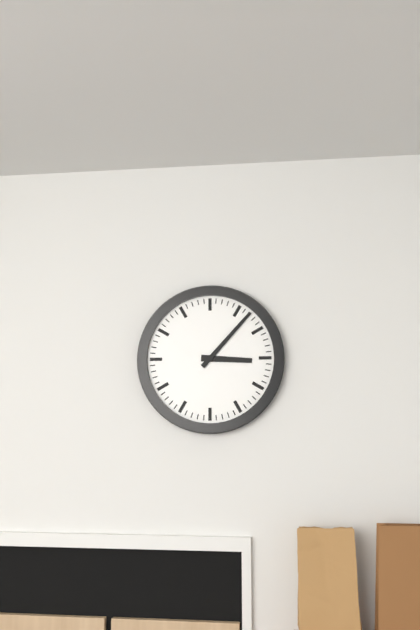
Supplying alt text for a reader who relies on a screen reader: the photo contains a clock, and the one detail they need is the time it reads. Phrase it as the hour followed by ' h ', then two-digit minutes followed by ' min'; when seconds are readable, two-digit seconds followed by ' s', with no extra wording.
3 h 07 min
